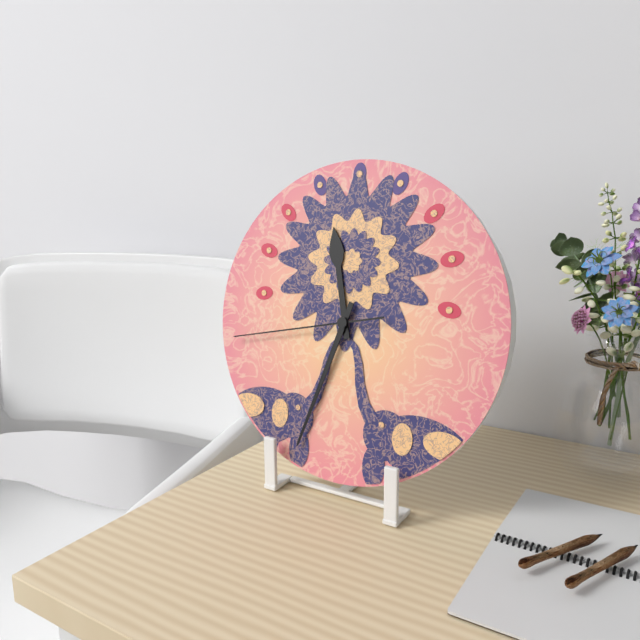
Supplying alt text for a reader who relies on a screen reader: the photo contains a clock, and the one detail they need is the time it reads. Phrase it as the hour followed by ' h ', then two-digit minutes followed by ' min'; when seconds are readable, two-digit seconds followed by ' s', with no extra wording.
11 h 33 min 43 s
